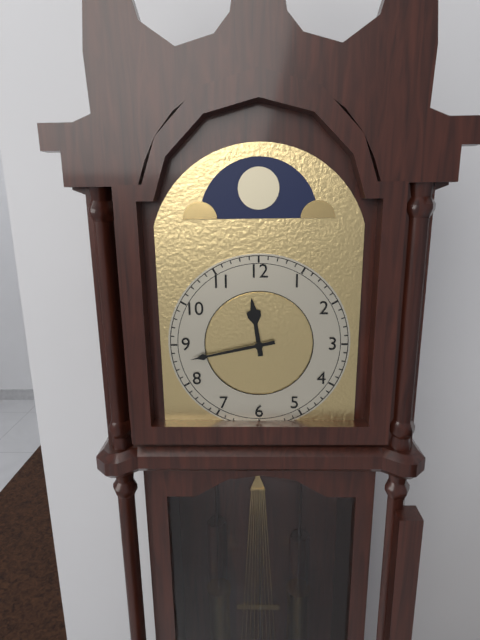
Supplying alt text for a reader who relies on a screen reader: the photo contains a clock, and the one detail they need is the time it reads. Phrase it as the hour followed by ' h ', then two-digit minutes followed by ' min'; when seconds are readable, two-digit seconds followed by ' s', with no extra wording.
11 h 43 min
